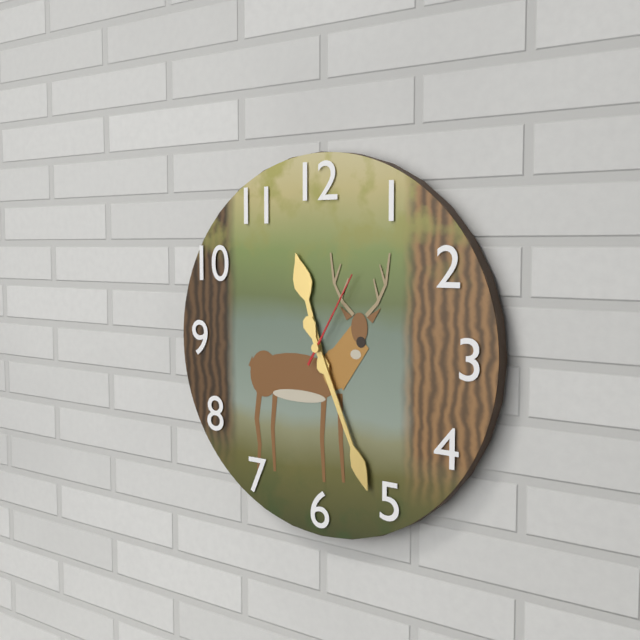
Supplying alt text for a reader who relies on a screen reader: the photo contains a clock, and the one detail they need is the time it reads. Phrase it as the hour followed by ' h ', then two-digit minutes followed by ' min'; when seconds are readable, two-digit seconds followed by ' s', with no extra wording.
11 h 26 min 05 s
